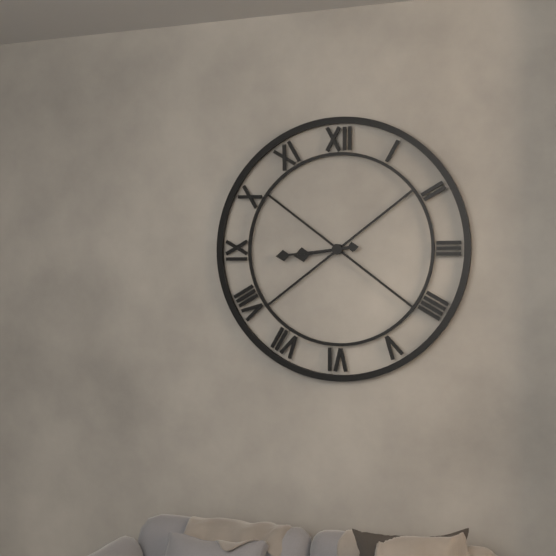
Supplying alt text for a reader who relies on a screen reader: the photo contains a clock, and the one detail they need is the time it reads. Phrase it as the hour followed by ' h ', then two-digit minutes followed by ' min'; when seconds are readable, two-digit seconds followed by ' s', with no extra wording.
8 h 44 min
